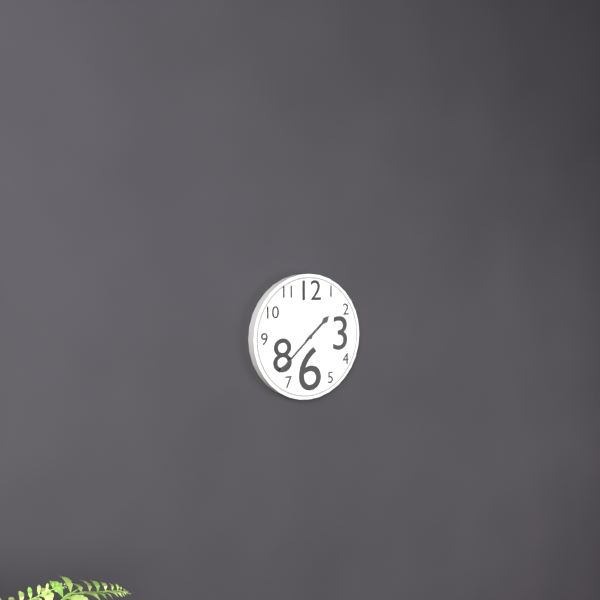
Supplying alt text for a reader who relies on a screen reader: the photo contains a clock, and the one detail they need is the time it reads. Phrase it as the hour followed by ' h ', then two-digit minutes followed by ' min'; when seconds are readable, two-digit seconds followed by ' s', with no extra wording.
1 h 38 min
